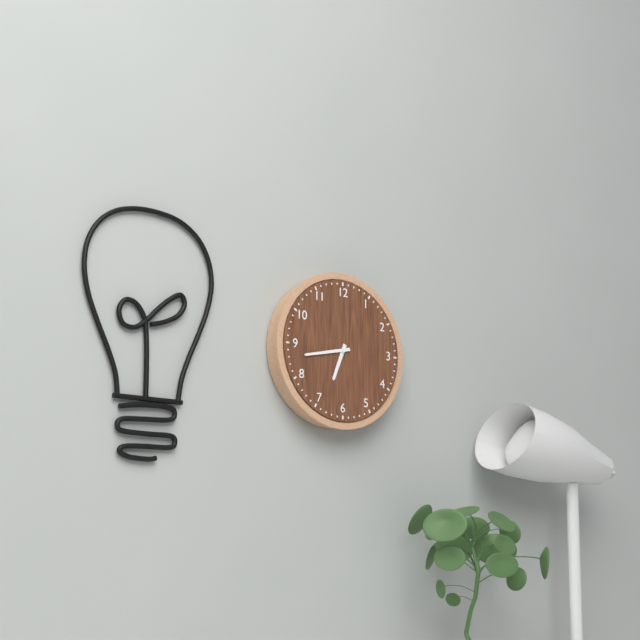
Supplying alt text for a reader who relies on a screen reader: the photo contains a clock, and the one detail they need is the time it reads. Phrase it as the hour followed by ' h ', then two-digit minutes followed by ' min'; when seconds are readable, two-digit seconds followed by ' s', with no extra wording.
6 h 43 min
